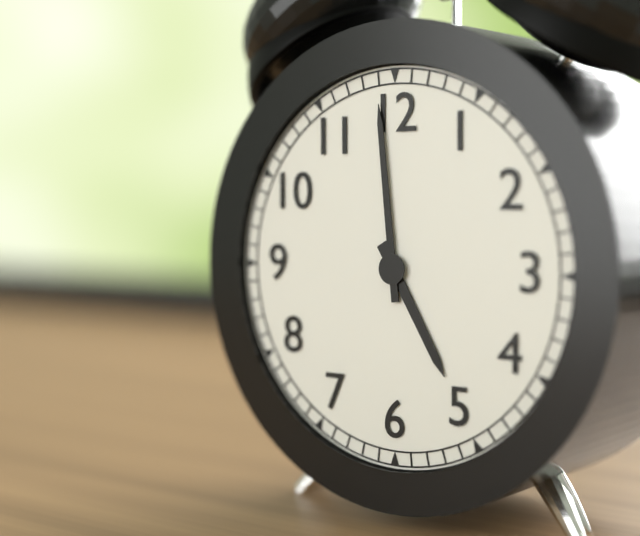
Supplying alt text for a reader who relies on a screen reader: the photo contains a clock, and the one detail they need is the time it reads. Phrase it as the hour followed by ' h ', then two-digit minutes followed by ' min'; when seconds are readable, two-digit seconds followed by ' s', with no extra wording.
4 h 59 min
